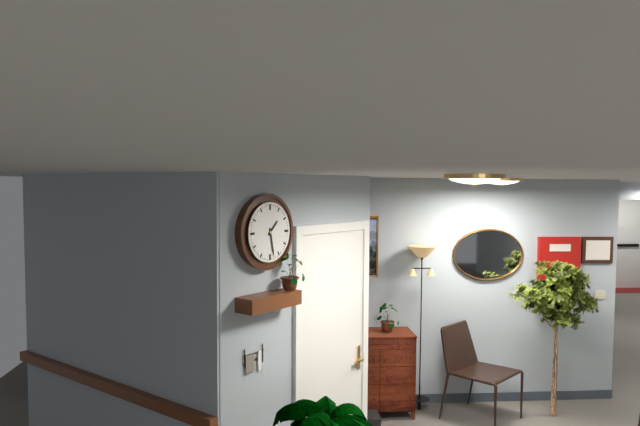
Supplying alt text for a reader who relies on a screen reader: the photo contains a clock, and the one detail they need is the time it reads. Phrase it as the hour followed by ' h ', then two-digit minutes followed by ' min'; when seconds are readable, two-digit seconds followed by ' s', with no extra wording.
1 h 28 min
